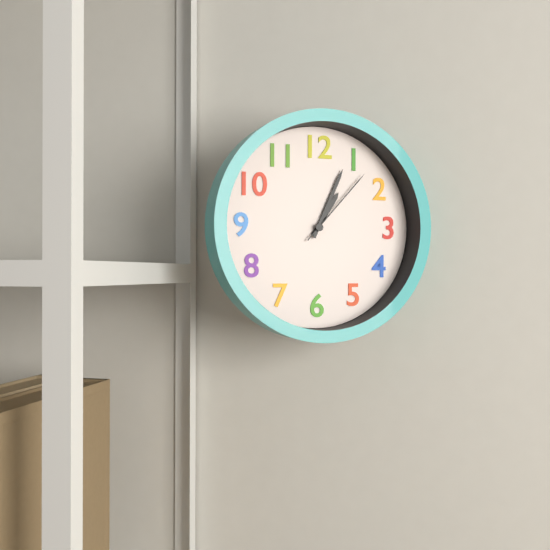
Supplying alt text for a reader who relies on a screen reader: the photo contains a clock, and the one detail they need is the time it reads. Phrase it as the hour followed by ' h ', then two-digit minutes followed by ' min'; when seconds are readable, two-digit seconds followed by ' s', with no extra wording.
1 h 04 min 07 s
